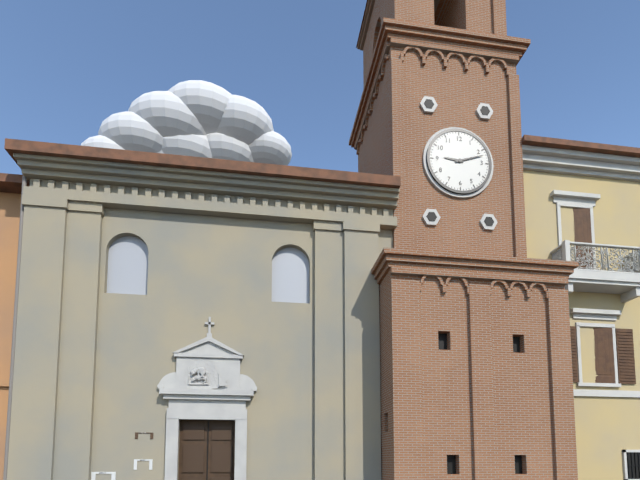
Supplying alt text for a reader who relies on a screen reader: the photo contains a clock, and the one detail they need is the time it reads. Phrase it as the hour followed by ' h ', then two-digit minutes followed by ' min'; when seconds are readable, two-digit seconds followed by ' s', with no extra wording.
9 h 12 min
